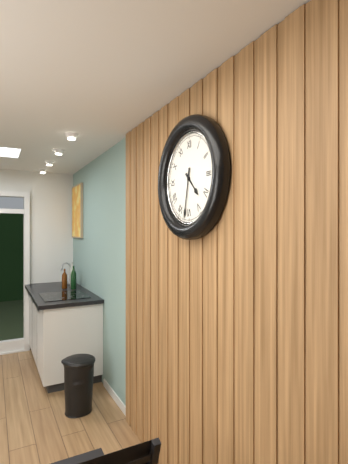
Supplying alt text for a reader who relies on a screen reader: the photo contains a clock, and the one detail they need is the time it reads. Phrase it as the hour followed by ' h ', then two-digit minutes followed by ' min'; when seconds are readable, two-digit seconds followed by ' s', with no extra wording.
4 h 32 min
